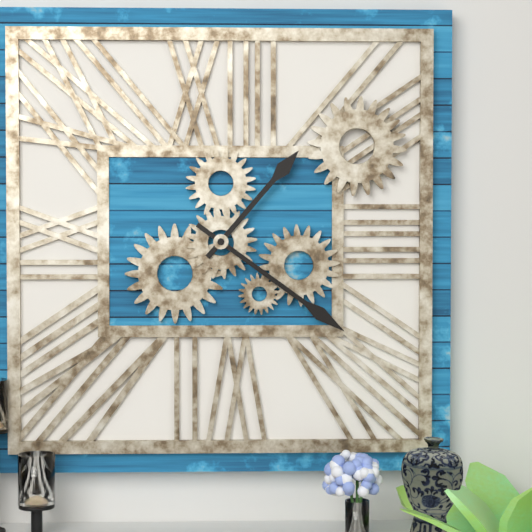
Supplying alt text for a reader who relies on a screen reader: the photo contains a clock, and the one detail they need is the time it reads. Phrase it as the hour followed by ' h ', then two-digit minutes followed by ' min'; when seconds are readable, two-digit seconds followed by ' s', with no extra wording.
1 h 21 min
